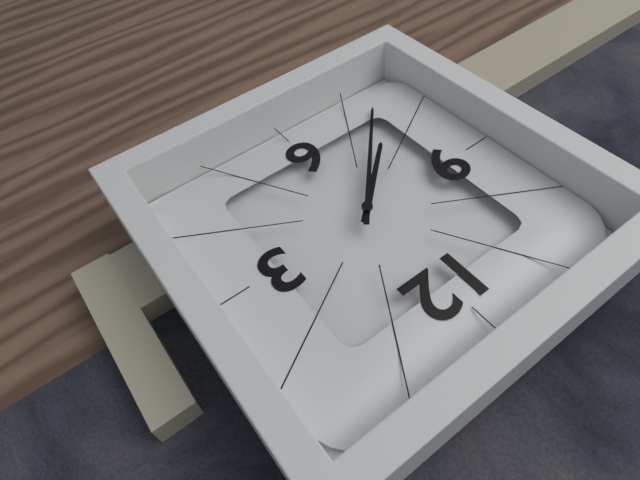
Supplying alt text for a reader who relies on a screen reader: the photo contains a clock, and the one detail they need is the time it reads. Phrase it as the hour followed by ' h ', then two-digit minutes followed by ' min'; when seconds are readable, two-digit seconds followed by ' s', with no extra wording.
7 h 37 min
